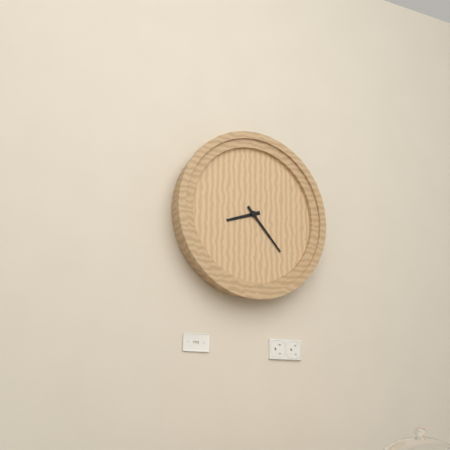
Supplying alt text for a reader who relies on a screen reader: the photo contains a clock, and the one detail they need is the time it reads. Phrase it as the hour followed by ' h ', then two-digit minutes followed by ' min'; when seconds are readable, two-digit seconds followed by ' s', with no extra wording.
8 h 23 min
